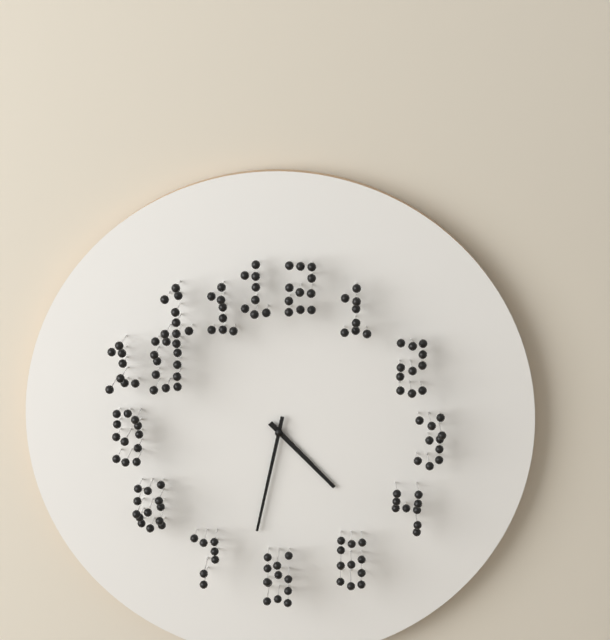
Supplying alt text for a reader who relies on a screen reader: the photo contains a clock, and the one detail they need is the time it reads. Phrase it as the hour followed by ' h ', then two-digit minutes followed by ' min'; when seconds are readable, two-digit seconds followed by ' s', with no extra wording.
4 h 32 min
